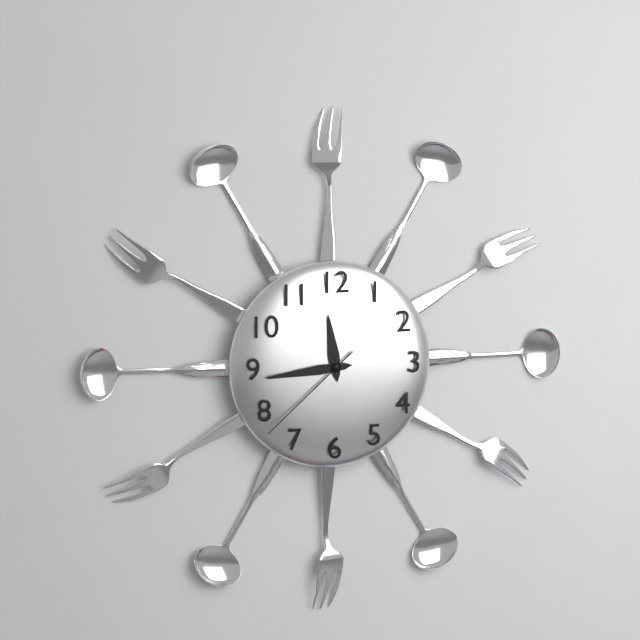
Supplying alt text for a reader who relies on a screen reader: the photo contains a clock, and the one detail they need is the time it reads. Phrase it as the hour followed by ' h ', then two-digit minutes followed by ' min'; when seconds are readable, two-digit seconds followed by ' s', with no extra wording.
11 h 44 min 38 s
